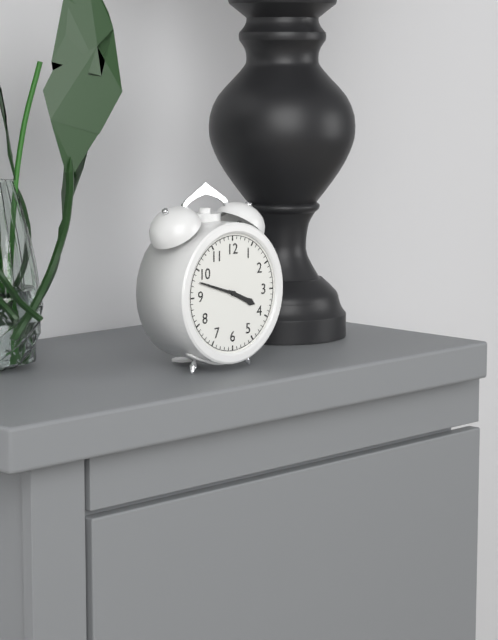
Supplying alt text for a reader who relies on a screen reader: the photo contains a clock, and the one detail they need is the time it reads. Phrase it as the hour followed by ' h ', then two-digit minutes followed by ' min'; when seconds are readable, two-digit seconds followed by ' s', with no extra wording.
3 h 48 min
